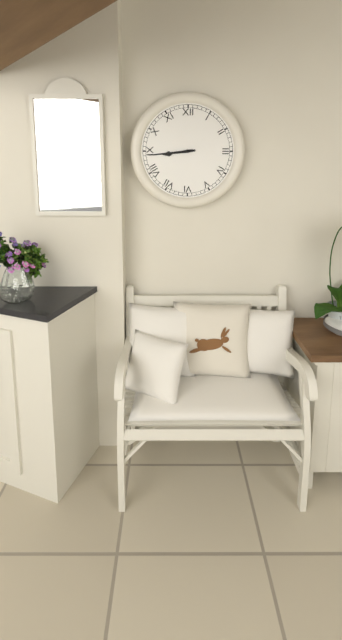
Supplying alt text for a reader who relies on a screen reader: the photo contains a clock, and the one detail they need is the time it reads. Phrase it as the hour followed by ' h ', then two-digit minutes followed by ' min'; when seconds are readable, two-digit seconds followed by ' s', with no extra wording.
8 h 44 min
